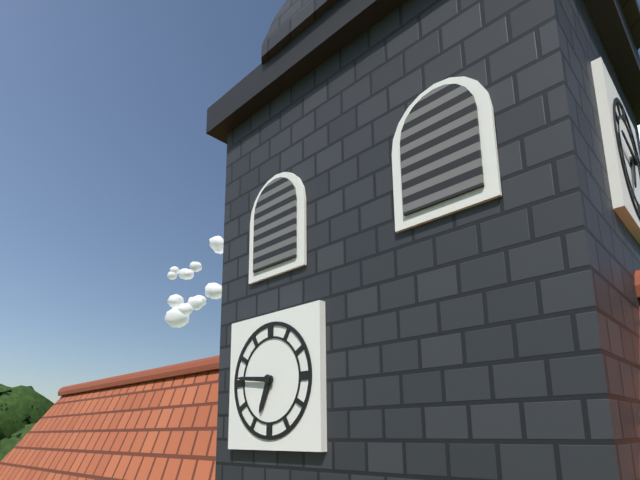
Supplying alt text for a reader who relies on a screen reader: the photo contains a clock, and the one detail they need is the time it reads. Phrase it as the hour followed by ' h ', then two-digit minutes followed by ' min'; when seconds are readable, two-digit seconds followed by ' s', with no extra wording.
6 h 46 min
